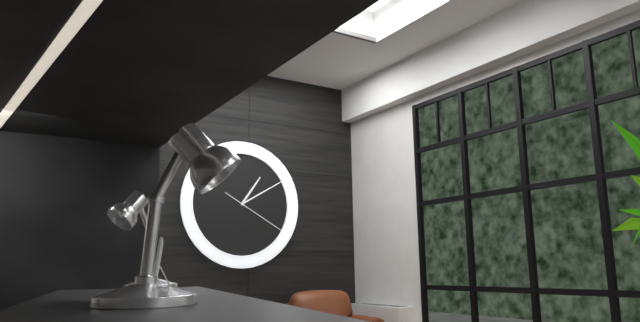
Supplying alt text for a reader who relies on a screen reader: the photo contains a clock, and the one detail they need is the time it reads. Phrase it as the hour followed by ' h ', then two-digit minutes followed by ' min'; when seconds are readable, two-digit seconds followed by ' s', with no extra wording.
1 h 10 min 20 s
